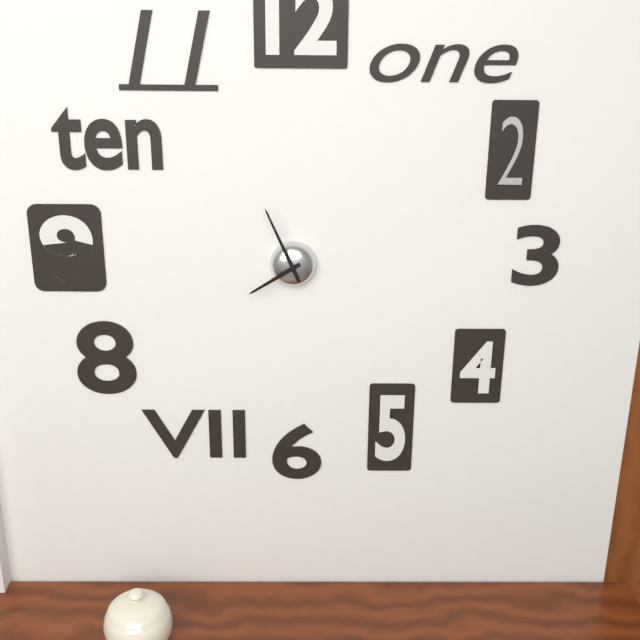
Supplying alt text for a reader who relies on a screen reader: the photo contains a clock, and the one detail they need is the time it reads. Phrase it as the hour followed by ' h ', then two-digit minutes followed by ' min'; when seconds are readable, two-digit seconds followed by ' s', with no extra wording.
7 h 56 min
